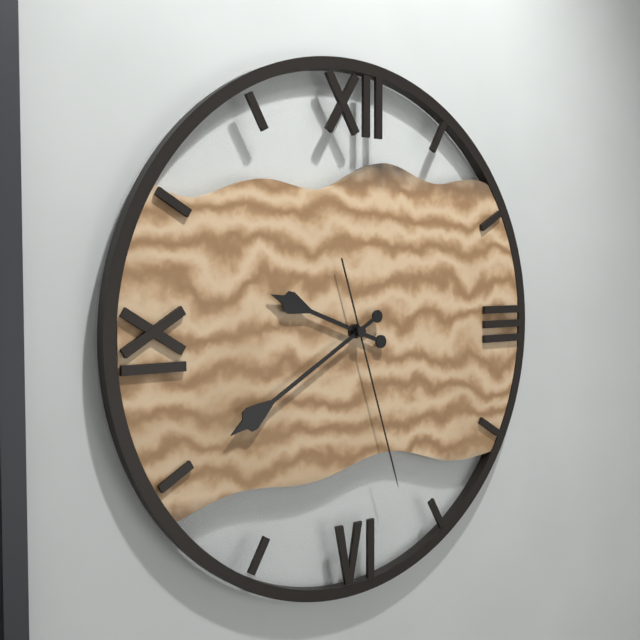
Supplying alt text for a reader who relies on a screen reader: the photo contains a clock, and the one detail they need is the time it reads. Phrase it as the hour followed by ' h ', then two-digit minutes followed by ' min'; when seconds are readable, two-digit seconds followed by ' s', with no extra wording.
9 h 40 min 27 s
